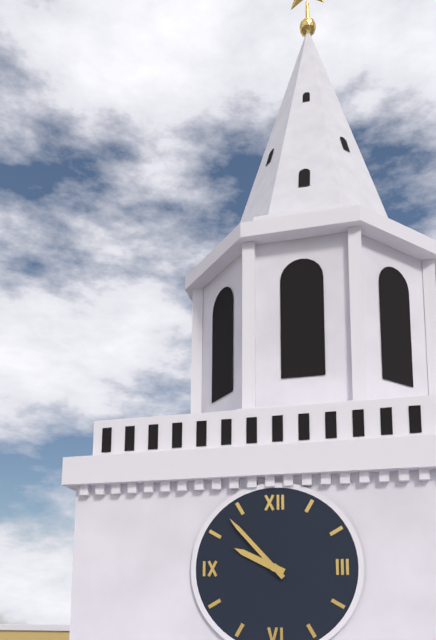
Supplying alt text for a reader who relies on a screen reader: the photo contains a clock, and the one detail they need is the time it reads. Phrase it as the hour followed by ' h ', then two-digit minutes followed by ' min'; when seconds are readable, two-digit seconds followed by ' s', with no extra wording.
9 h 53 min
